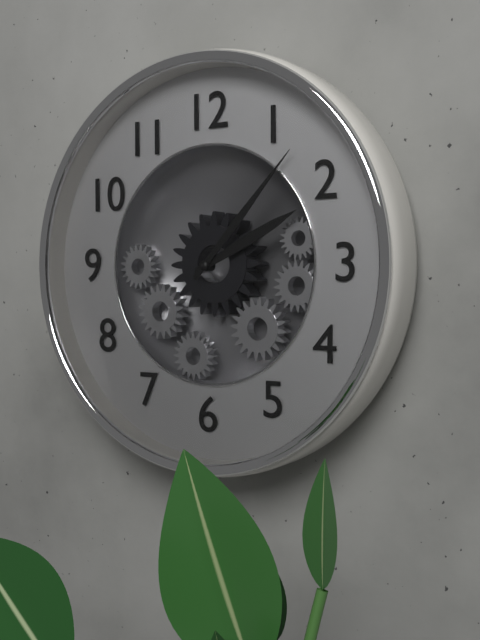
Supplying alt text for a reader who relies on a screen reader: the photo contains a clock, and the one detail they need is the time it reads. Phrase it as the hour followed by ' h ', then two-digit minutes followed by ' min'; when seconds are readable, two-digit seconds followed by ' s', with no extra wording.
2 h 07 min
